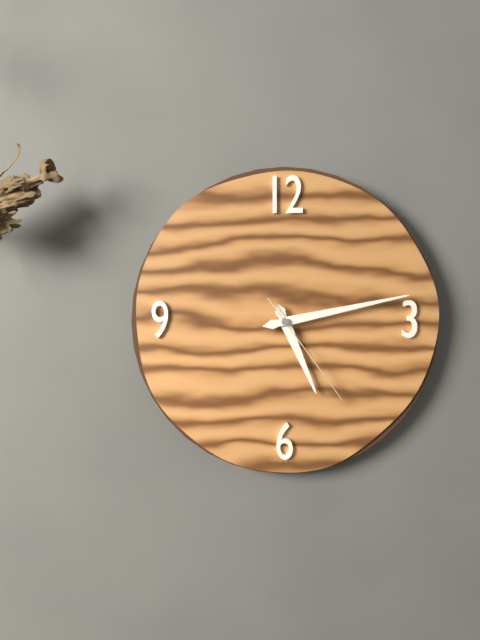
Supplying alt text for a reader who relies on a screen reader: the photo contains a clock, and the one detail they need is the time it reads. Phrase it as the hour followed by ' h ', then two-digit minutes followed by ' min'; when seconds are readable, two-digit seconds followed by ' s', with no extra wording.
5 h 13 min 24 s
